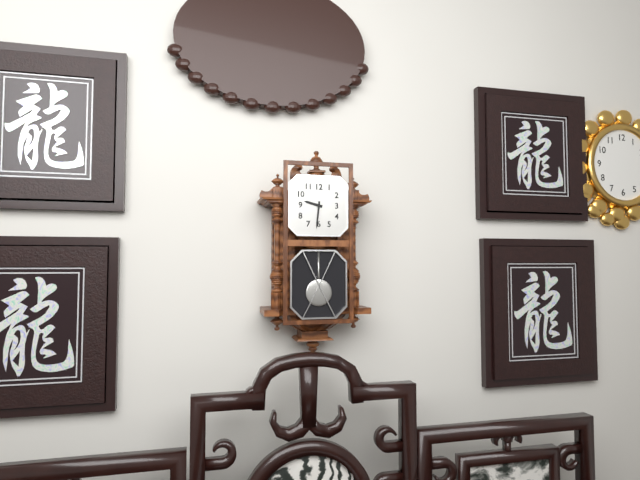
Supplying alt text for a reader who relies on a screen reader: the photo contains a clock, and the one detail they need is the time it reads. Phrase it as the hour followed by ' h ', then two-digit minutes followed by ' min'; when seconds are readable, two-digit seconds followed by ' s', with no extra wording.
9 h 31 min
